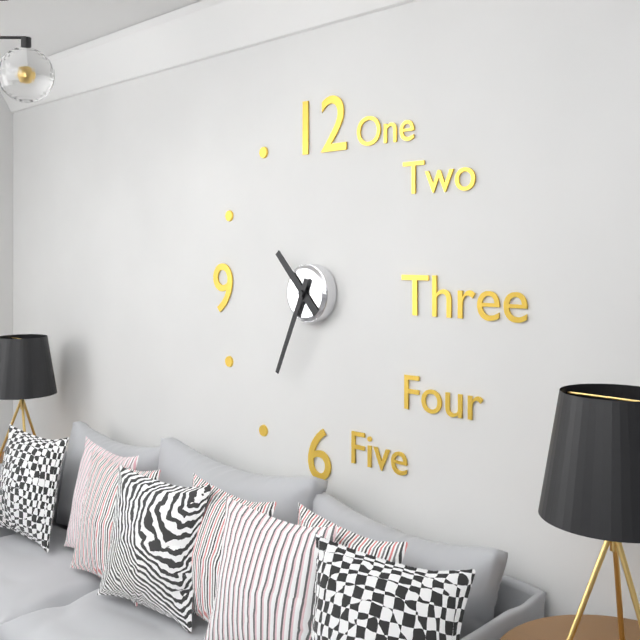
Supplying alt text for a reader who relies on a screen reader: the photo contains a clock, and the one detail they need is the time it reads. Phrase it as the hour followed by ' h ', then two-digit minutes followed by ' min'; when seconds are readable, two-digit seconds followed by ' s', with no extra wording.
10 h 34 min
